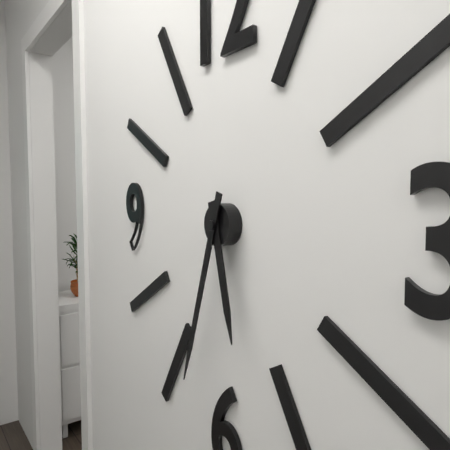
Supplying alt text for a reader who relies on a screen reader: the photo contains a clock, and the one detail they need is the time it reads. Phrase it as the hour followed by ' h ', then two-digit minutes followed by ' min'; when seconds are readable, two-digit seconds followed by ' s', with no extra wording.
5 h 33 min
